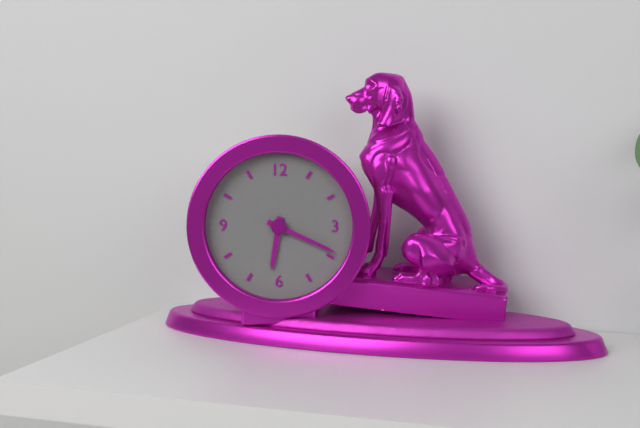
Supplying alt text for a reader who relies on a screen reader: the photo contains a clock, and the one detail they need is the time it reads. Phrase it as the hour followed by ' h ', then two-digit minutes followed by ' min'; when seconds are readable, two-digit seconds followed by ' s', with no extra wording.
6 h 19 min
